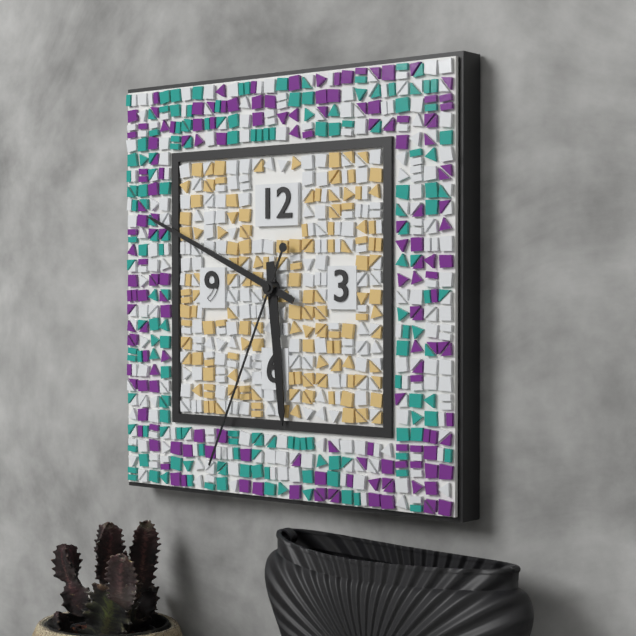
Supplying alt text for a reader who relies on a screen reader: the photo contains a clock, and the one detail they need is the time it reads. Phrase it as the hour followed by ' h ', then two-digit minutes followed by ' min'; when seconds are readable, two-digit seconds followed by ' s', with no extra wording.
5 h 49 min 34 s
